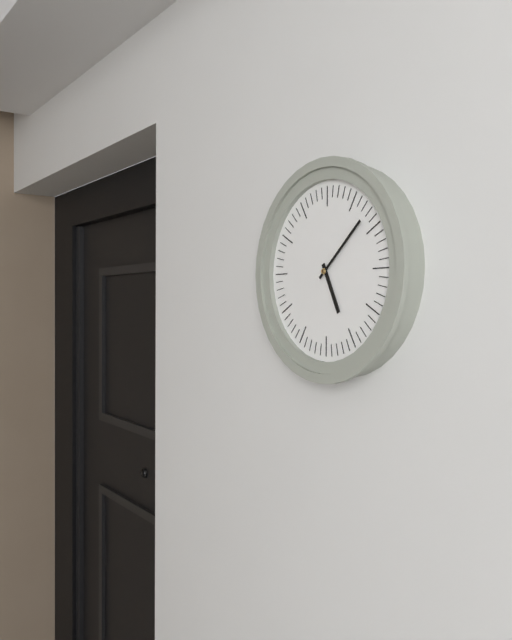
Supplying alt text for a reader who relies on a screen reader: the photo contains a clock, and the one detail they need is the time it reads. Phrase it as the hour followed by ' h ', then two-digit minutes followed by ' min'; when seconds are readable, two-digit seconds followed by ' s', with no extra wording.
5 h 08 min
